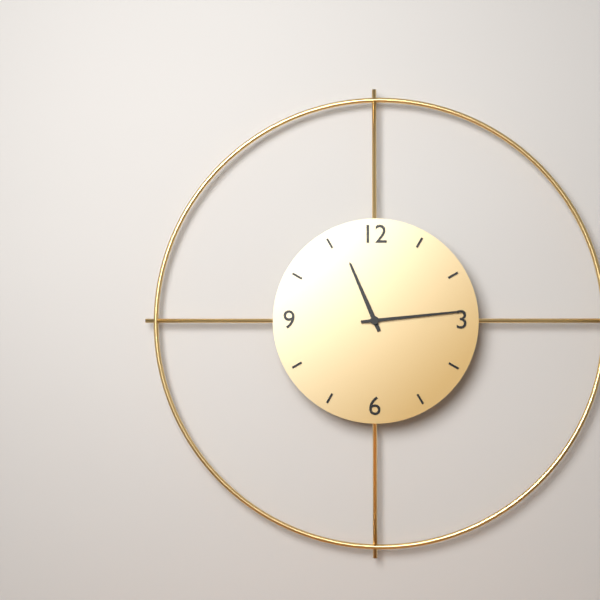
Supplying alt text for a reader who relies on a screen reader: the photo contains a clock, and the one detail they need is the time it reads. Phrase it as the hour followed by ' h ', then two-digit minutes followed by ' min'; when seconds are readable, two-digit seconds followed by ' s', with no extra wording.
11 h 14 min
